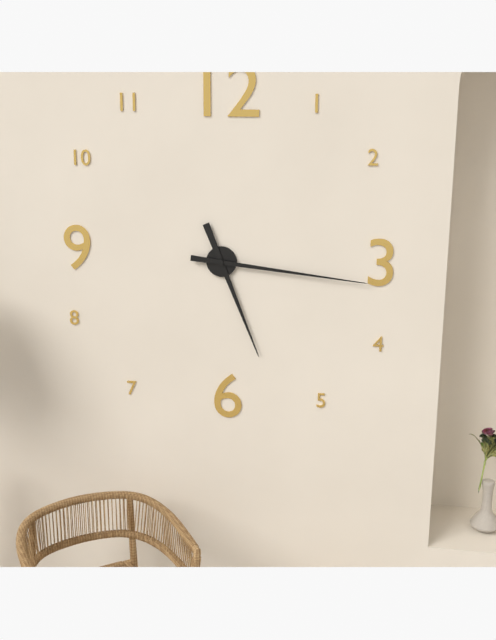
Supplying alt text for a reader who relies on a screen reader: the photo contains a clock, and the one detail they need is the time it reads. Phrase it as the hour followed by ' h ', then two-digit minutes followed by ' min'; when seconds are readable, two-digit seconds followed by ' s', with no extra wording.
5 h 16 min
